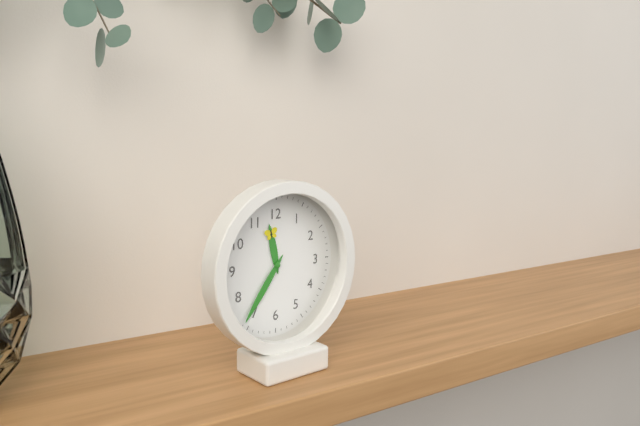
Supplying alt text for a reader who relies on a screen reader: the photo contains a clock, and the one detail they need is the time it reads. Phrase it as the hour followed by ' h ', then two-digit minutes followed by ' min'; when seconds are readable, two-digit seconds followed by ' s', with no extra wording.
11 h 36 min
